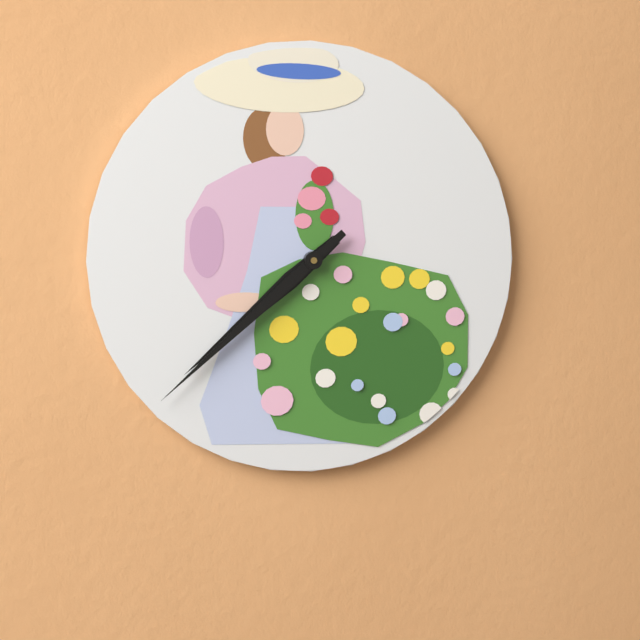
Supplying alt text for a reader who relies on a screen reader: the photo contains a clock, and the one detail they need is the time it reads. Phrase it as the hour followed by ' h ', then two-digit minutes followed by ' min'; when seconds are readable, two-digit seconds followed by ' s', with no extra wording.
7 h 38 min
